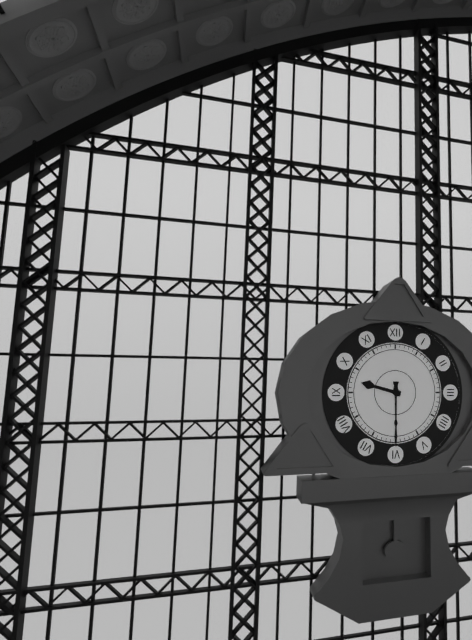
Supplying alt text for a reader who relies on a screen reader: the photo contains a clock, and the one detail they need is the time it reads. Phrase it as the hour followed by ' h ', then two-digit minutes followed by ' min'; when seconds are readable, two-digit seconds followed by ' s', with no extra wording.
9 h 30 min
